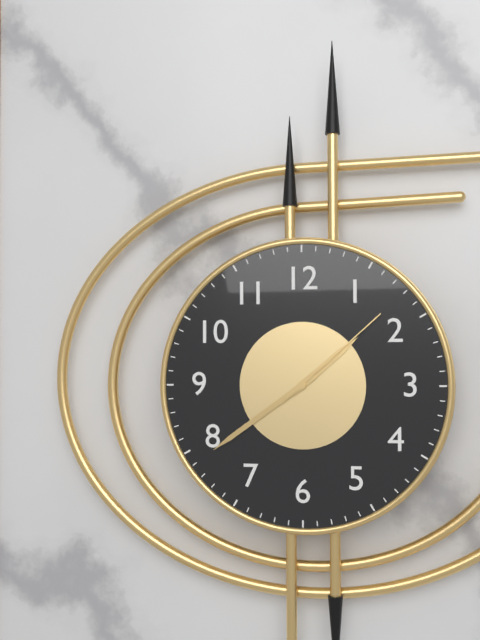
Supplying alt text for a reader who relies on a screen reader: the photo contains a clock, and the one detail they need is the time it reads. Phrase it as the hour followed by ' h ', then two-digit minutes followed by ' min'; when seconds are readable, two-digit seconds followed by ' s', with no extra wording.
1 h 39 min 08 s
